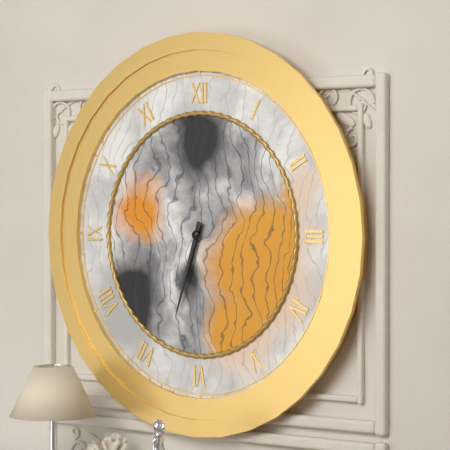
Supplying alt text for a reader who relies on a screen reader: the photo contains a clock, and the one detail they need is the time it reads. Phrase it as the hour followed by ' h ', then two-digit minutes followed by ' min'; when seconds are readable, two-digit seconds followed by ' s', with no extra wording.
6 h 33 min
